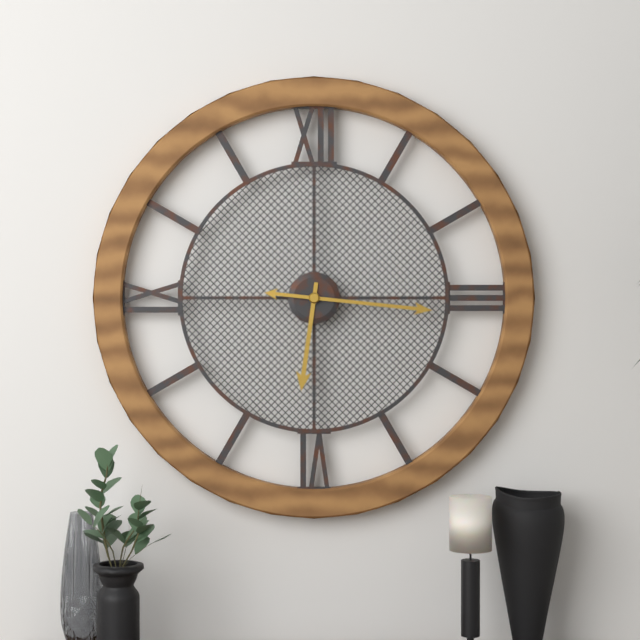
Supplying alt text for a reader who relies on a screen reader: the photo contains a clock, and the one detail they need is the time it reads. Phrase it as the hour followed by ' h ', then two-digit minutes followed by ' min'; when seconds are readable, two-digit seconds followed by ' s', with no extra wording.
6 h 16 min
